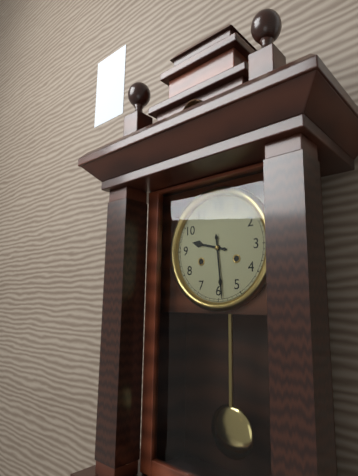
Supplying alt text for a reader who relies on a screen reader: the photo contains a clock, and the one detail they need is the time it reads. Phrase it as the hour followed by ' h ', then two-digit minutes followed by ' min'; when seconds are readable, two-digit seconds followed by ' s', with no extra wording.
9 h 29 min
